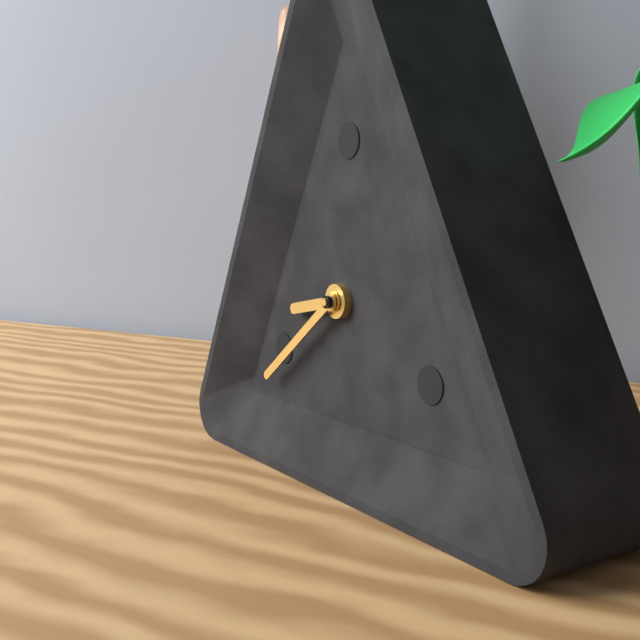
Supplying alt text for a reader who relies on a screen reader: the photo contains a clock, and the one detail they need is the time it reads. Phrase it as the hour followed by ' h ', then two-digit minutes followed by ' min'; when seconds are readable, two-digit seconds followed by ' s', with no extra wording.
8 h 39 min
